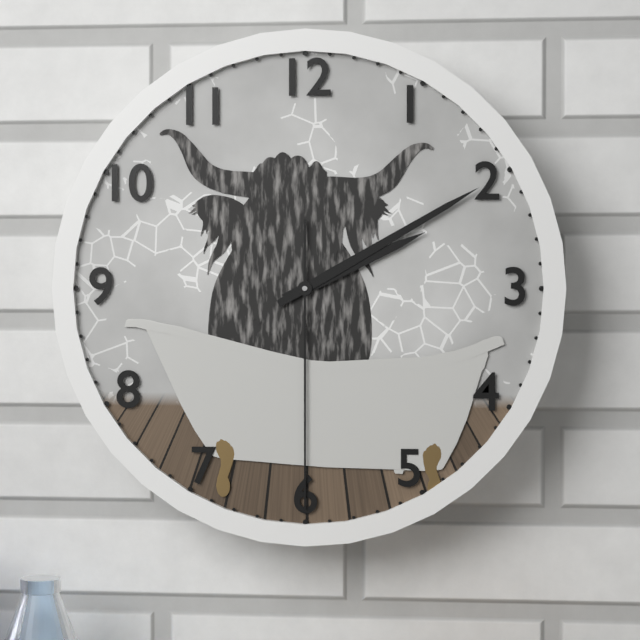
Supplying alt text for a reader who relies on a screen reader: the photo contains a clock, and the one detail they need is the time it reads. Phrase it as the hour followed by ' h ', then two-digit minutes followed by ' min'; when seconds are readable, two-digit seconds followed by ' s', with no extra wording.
2 h 10 min 30 s
